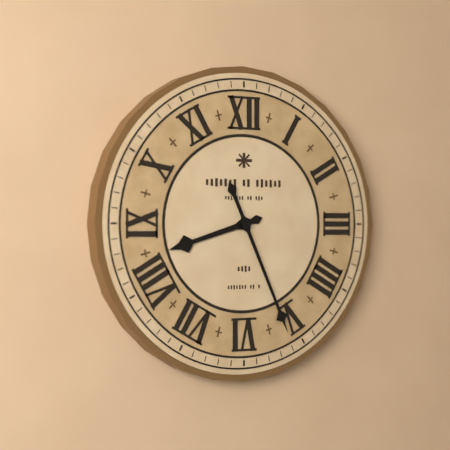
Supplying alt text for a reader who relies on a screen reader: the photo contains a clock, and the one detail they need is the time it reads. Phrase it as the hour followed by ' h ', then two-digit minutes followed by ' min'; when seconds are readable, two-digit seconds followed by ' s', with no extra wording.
8 h 26 min
